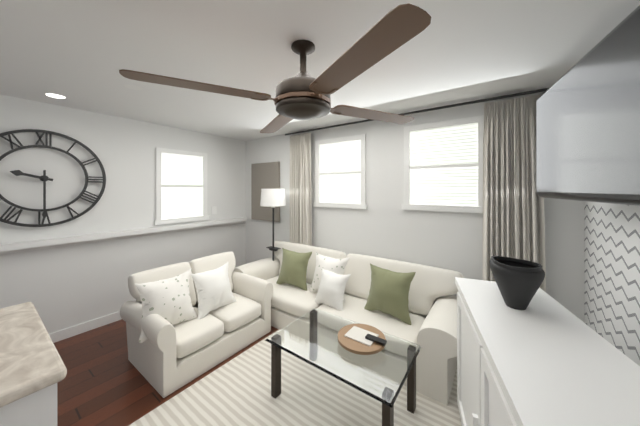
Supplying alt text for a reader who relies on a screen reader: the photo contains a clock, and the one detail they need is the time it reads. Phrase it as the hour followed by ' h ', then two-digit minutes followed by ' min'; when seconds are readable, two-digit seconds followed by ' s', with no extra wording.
9 h 30 min
